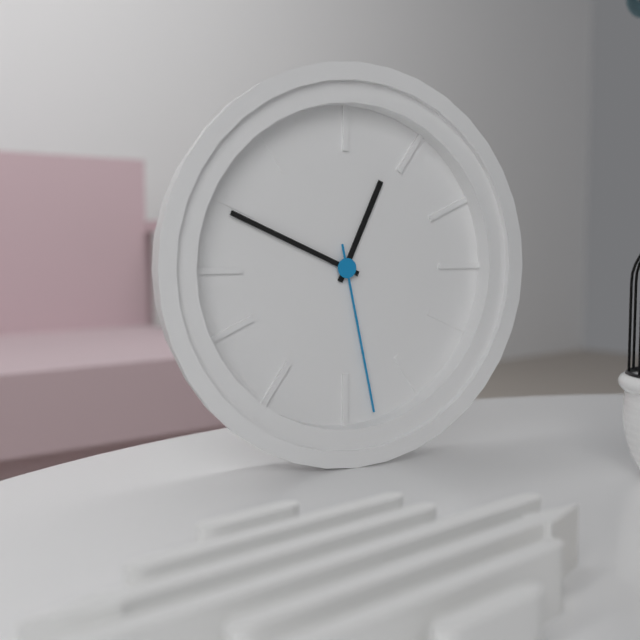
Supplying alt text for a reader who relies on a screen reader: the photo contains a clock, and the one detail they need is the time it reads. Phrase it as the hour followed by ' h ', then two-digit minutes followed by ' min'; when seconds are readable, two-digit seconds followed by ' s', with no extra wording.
12 h 49 min 28 s
